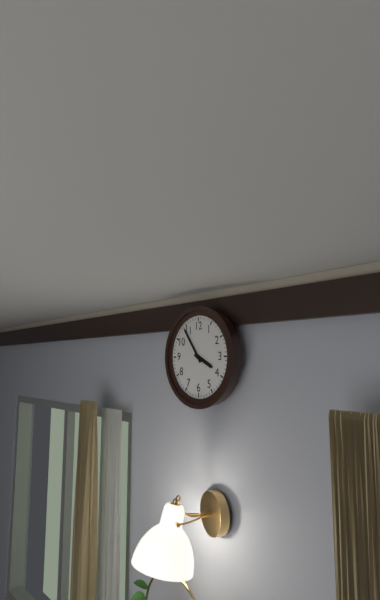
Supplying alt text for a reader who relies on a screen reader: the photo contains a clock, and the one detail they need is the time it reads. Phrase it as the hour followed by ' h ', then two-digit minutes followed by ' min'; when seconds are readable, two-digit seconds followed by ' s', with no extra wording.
3 h 54 min
